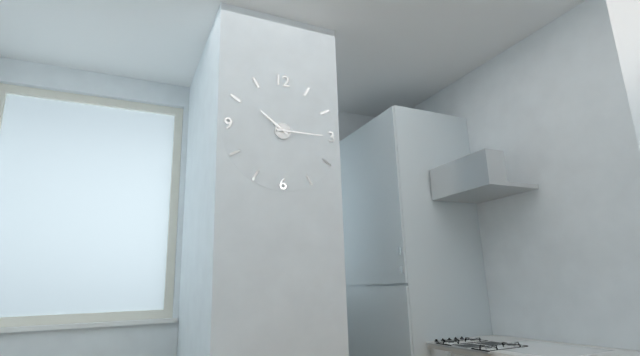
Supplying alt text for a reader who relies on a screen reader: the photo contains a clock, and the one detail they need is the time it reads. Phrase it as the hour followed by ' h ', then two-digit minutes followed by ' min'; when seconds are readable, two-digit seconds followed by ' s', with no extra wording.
10 h 15 min
